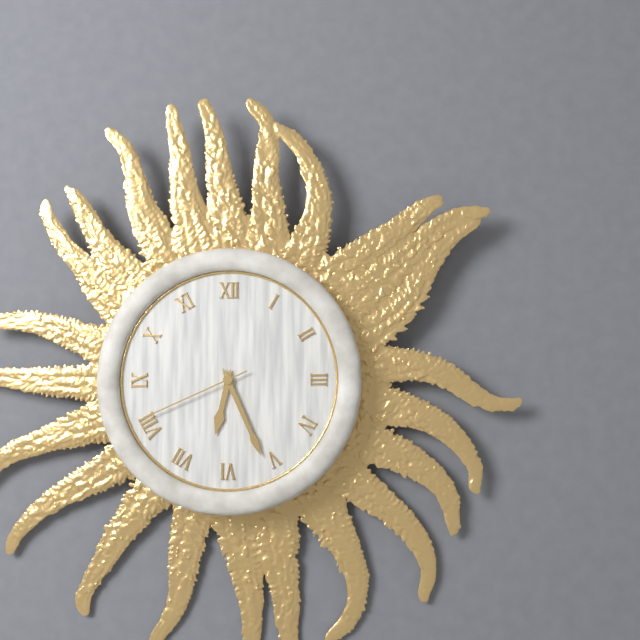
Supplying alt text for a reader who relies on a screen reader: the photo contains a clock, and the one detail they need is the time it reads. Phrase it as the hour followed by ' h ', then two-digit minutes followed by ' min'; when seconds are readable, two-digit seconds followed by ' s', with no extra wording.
6 h 26 min 41 s
